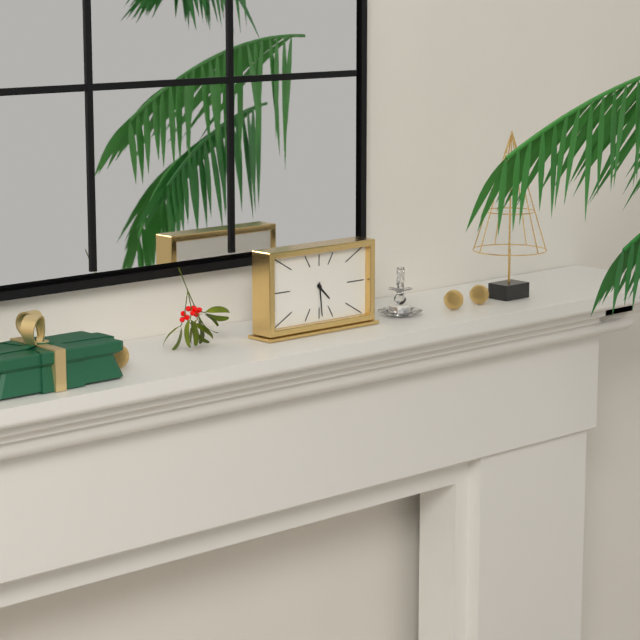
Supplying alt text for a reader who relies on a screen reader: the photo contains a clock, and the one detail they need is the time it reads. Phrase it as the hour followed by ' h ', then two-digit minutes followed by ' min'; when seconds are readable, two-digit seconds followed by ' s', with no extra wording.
4 h 29 min
